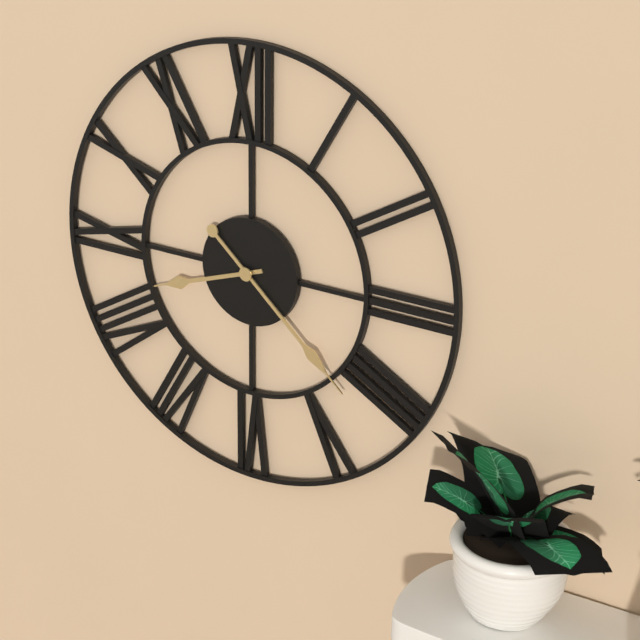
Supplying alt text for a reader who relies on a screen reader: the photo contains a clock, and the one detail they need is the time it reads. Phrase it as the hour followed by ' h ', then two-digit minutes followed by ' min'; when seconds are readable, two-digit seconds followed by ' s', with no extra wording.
8 h 22 min
